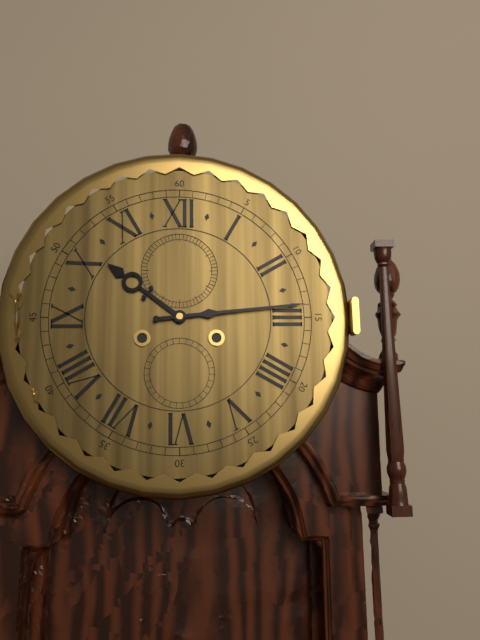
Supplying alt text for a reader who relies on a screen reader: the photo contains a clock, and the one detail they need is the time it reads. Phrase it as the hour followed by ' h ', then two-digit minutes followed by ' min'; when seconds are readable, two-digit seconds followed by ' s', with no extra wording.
10 h 14 min
